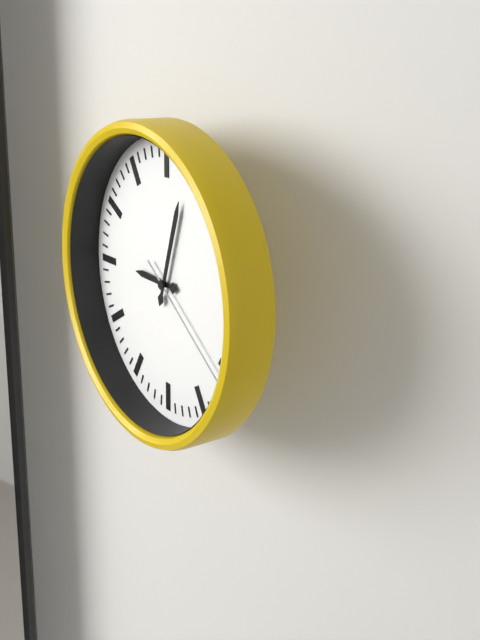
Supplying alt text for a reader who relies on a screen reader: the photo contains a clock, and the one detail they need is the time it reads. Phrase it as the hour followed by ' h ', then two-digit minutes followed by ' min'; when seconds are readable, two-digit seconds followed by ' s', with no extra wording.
9 h 03 min 21 s
